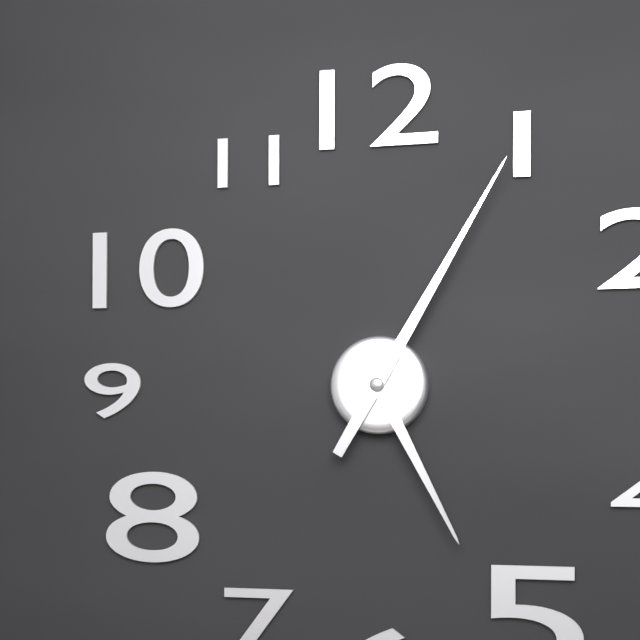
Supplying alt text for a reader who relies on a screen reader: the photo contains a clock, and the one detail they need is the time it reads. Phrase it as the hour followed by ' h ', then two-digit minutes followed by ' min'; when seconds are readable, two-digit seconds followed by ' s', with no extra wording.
5 h 05 min
